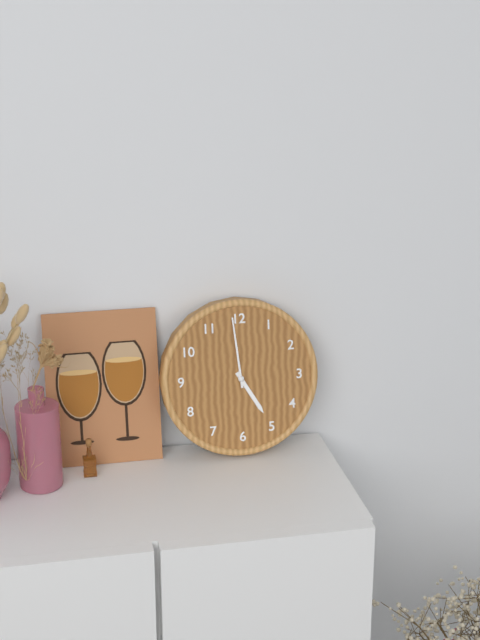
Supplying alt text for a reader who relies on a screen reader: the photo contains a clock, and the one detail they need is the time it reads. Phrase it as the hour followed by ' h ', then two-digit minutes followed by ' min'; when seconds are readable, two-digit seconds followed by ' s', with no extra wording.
4 h 59 min
